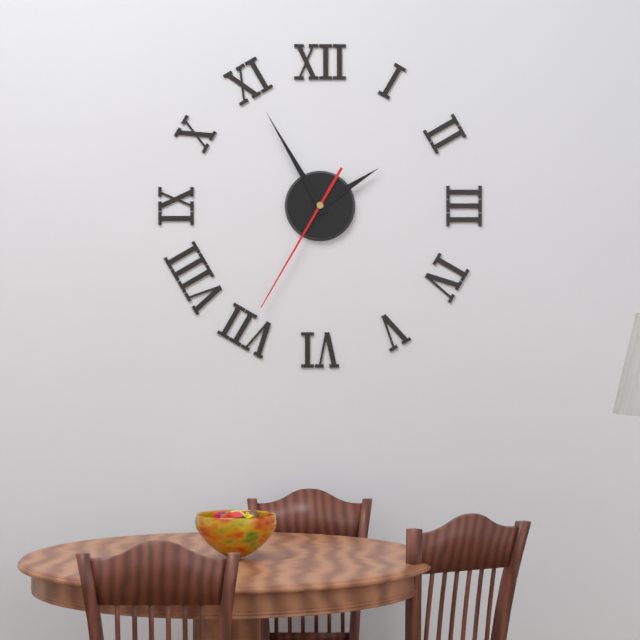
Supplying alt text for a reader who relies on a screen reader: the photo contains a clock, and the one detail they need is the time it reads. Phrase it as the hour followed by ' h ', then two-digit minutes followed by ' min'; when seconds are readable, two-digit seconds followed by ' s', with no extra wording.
1 h 55 min 35 s
